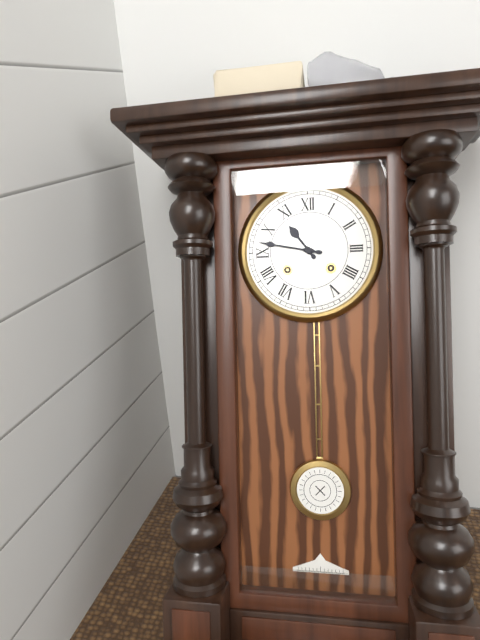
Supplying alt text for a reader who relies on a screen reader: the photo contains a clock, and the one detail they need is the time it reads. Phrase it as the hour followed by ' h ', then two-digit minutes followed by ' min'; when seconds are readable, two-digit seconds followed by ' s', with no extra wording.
10 h 47 min
